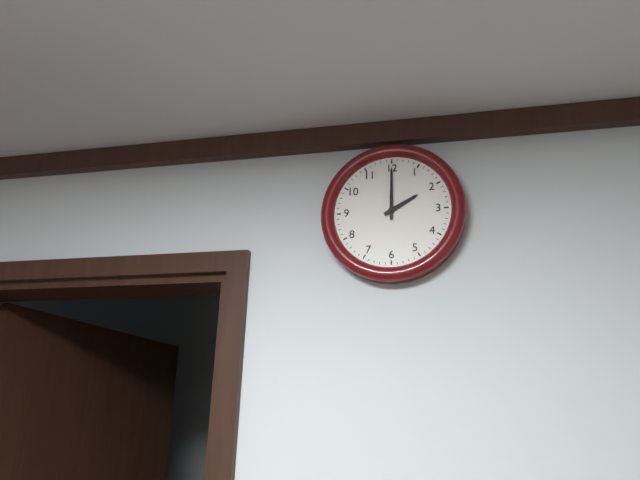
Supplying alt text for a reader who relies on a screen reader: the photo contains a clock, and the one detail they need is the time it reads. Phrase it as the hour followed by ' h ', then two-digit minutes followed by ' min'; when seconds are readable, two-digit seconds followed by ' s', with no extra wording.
2 h 00 min
